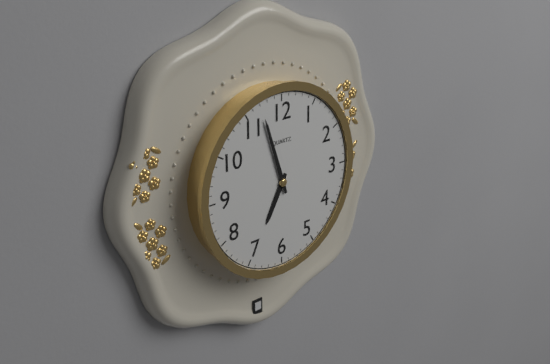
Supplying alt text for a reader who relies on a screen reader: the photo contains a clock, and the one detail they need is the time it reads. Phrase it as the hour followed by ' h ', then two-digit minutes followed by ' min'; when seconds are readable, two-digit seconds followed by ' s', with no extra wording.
6 h 57 min
